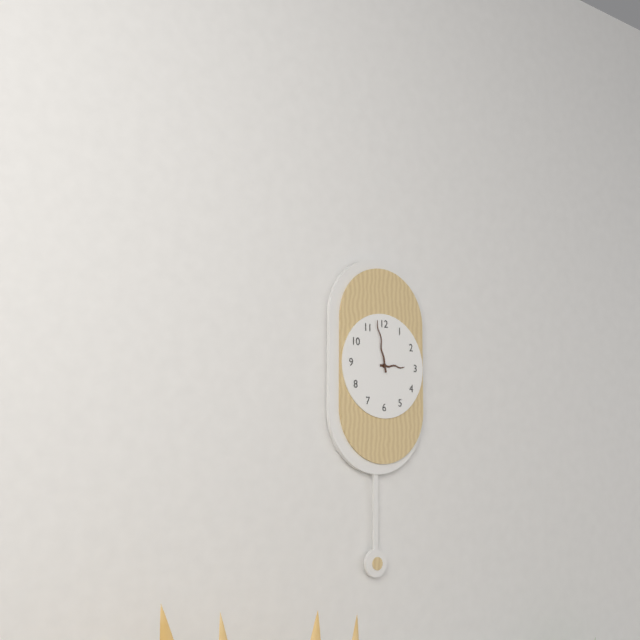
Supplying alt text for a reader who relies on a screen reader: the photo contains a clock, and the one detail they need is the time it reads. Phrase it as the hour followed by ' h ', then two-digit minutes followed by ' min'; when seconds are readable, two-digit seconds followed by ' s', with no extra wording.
2 h 58 min
